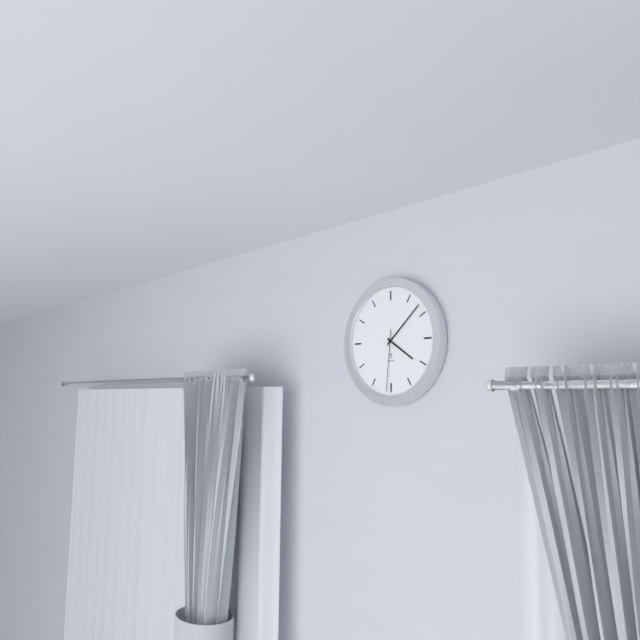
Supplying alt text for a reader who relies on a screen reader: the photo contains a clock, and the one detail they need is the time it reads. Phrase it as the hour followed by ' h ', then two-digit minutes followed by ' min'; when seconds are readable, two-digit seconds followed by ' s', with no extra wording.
4 h 08 min 31 s
